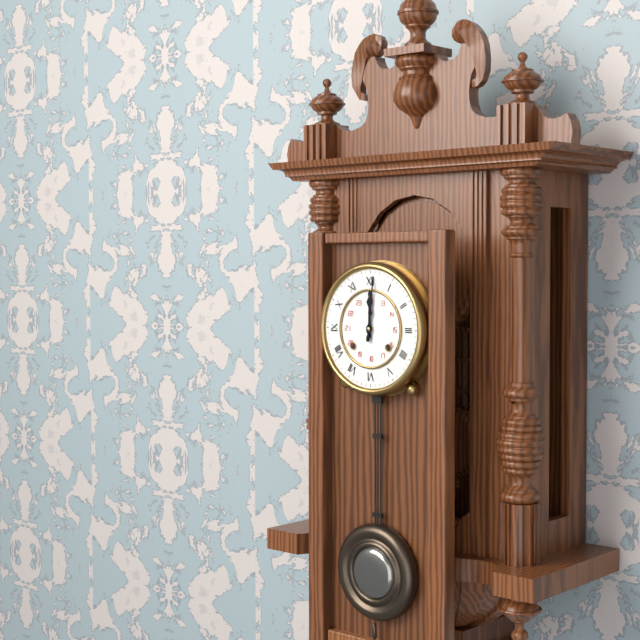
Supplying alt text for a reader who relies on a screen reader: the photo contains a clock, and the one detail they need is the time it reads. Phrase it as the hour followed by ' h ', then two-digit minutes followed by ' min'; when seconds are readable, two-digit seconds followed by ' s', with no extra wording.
12 h 01 min
